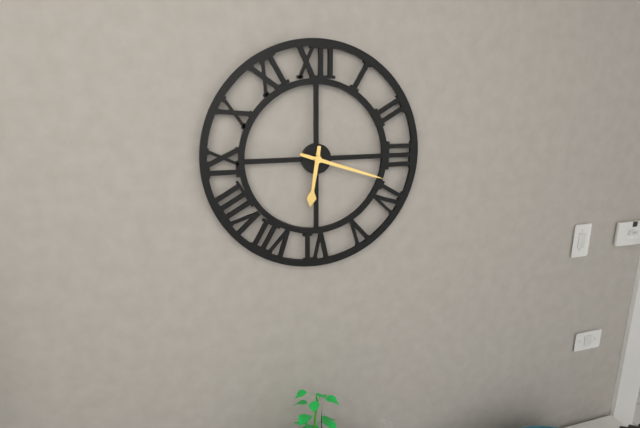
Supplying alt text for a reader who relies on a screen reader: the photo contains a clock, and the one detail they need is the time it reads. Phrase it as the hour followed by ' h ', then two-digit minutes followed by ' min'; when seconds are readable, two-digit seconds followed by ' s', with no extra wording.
6 h 18 min
